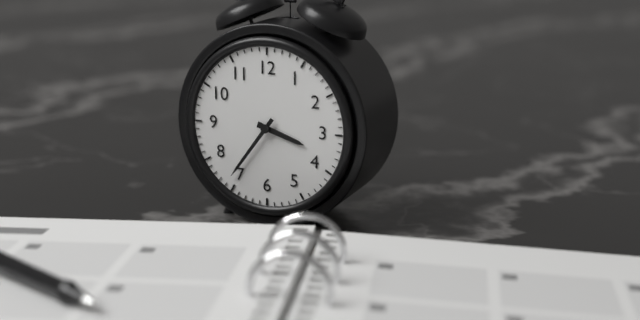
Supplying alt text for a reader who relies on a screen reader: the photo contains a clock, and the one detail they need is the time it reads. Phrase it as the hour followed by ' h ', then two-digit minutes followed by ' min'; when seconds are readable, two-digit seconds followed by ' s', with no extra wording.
3 h 36 min
